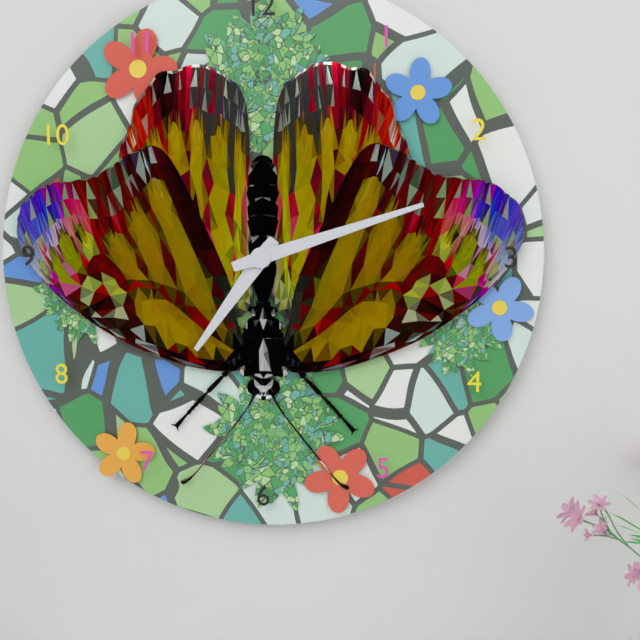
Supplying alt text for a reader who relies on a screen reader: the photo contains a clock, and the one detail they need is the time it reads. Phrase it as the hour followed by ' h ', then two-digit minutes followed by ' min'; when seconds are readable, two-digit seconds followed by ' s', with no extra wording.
7 h 12 min
